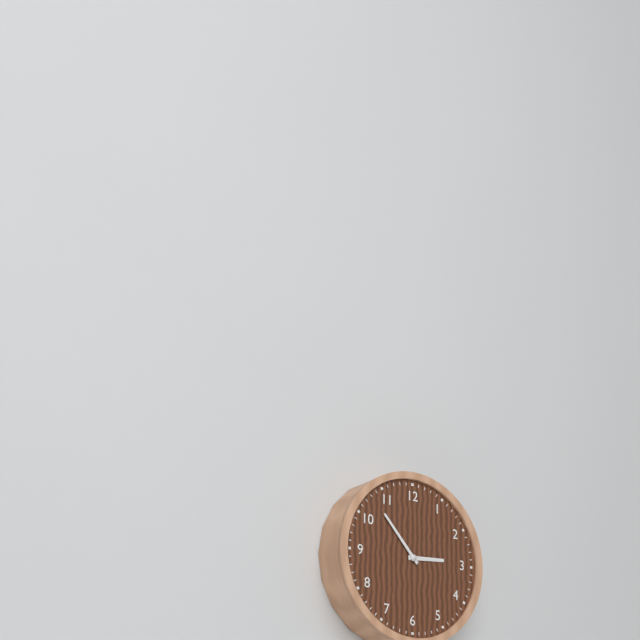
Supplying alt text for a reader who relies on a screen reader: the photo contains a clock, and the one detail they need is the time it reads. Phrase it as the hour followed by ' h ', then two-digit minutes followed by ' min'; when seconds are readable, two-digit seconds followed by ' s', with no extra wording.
2 h 53 min
